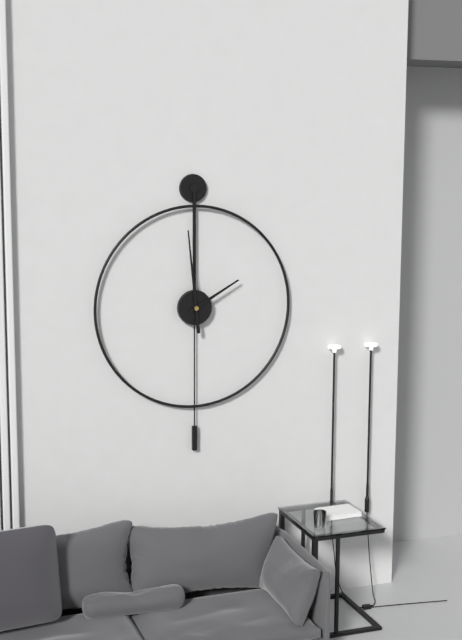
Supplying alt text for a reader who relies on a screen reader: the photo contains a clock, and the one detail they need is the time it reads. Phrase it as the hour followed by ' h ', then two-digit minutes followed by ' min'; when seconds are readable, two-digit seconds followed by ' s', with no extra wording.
1 h 59 min
